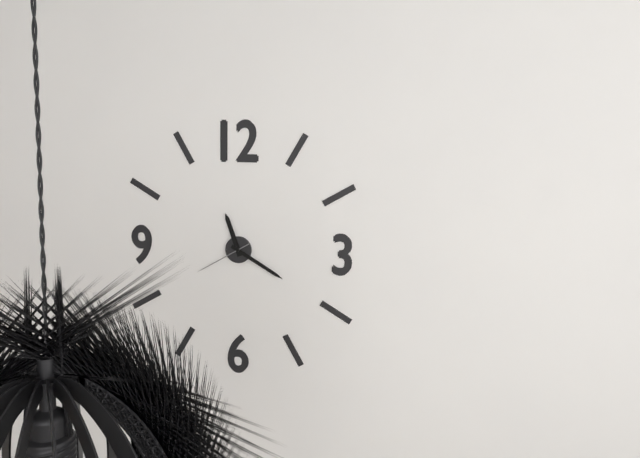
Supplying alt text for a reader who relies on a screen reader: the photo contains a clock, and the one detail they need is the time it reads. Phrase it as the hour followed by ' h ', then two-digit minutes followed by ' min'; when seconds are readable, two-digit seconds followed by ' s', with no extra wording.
11 h 20 min 40 s
